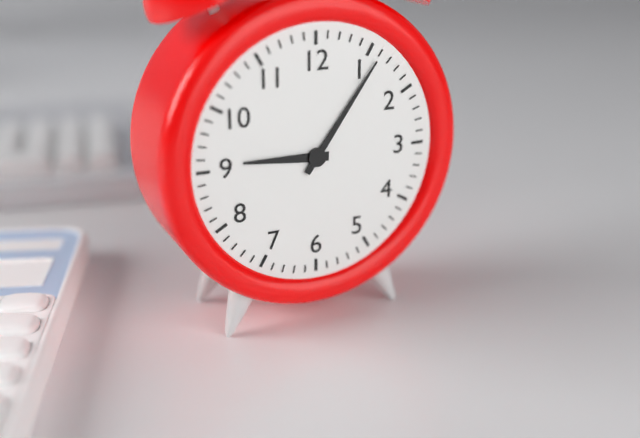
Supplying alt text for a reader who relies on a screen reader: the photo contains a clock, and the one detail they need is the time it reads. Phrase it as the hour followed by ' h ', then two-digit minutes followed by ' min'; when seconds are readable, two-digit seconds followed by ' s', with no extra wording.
9 h 06 min
